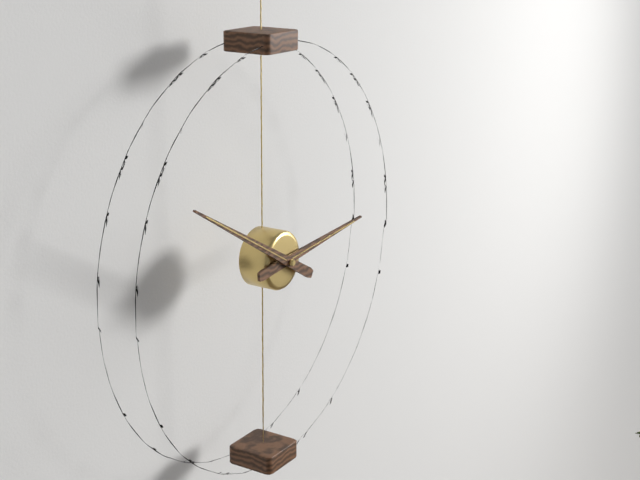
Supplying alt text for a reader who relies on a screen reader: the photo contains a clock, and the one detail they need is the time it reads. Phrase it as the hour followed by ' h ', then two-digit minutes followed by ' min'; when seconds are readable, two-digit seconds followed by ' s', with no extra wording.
2 h 50 min
